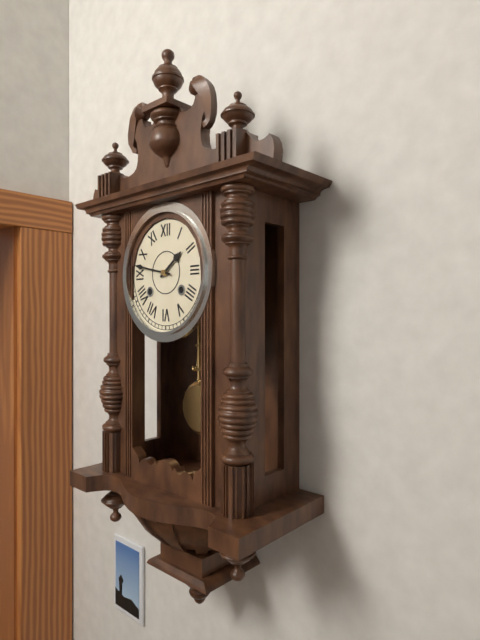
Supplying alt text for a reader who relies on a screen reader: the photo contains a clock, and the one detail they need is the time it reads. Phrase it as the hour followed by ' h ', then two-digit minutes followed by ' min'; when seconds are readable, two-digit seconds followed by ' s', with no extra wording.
1 h 47 min
